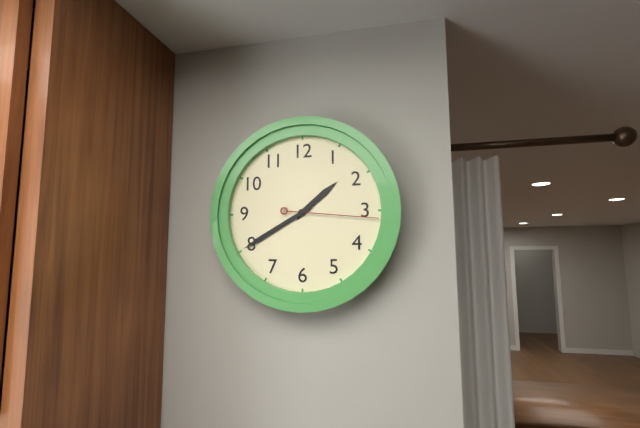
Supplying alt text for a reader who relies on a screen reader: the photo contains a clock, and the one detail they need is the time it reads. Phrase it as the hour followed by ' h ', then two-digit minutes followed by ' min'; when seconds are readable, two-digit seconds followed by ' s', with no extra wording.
1 h 40 min 16 s
